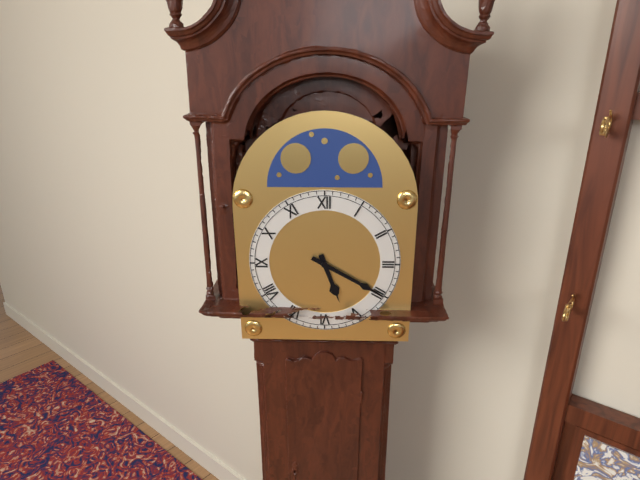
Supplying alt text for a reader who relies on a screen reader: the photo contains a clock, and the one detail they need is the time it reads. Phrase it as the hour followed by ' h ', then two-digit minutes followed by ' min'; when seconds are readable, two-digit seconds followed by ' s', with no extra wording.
5 h 20 min
